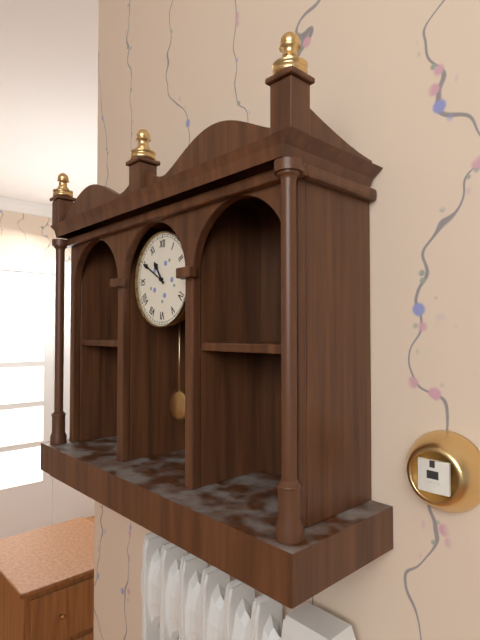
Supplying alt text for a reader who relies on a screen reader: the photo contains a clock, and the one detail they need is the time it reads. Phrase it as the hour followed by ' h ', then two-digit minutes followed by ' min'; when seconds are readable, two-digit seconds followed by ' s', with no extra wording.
10 h 50 min
